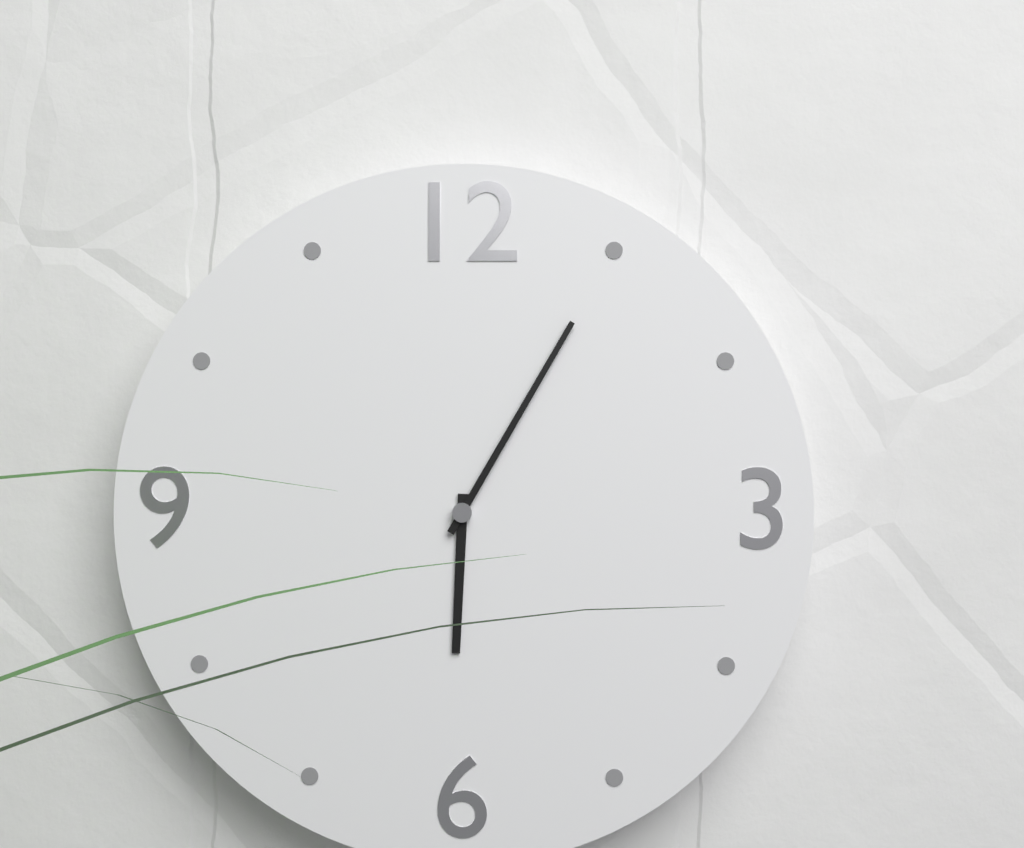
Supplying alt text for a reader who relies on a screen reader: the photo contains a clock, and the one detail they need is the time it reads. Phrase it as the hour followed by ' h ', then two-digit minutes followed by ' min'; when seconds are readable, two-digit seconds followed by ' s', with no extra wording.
6 h 05 min
